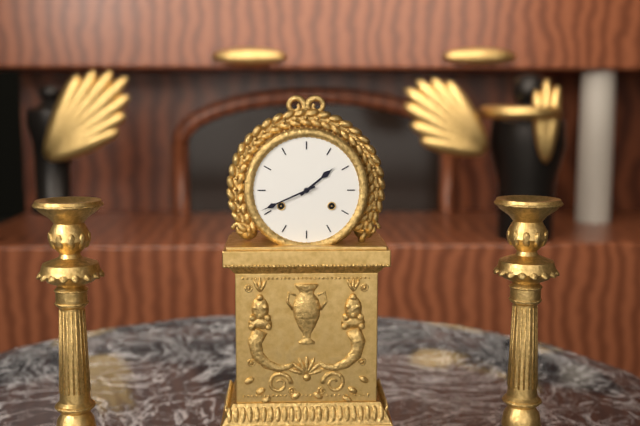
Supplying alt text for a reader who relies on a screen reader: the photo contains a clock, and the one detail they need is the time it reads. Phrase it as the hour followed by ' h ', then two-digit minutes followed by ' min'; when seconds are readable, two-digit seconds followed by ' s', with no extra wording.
1 h 41 min
